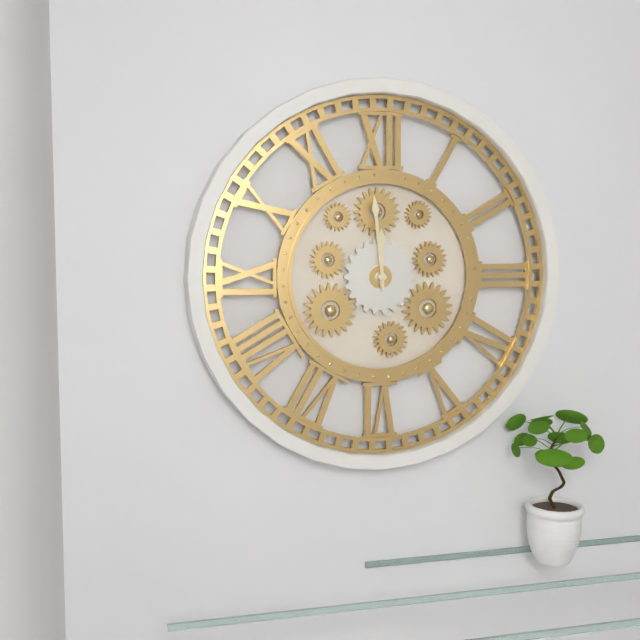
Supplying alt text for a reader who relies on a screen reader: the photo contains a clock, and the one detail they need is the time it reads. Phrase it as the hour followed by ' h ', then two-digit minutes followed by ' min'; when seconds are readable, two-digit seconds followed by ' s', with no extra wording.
11 h 59 min
